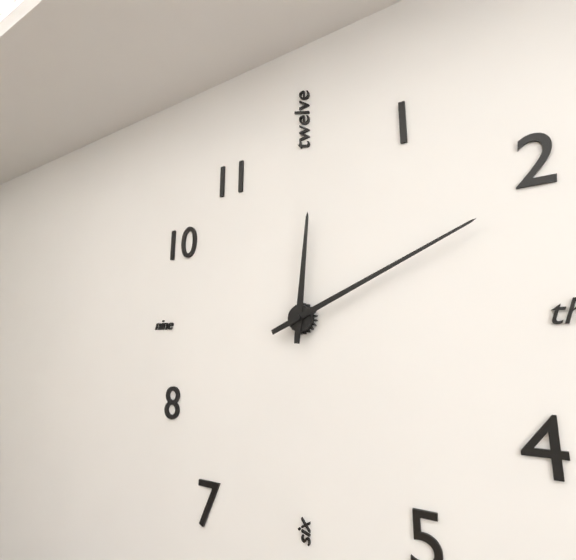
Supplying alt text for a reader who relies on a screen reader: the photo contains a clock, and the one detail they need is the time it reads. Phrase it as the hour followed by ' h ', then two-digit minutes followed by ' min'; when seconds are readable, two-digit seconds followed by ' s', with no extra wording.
12 h 11 min
